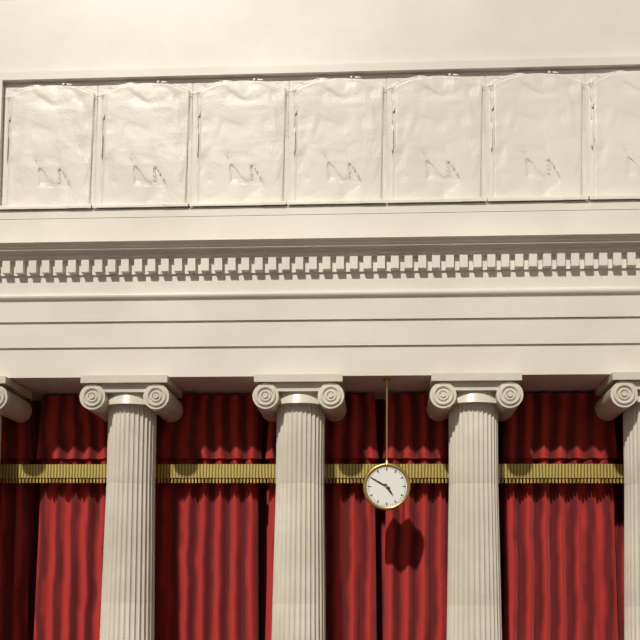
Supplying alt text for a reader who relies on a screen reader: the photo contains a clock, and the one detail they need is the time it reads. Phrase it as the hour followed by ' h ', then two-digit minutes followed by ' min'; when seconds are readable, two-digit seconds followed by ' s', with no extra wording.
4 h 50 min
